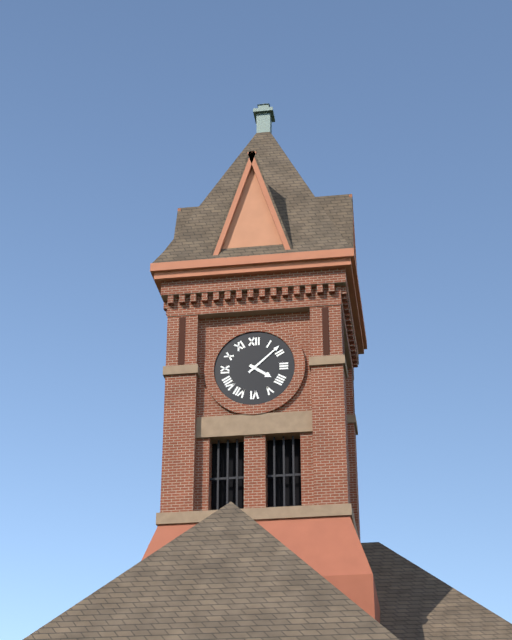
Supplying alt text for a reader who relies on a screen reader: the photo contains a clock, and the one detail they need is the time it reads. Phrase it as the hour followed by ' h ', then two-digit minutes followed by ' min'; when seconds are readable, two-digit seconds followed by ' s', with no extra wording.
4 h 08 min
